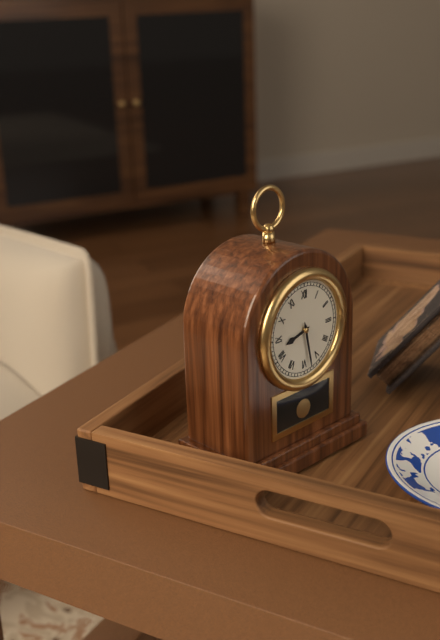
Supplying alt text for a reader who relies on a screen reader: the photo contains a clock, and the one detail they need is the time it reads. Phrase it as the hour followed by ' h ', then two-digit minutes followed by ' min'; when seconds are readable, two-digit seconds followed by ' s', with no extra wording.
8 h 28 min
